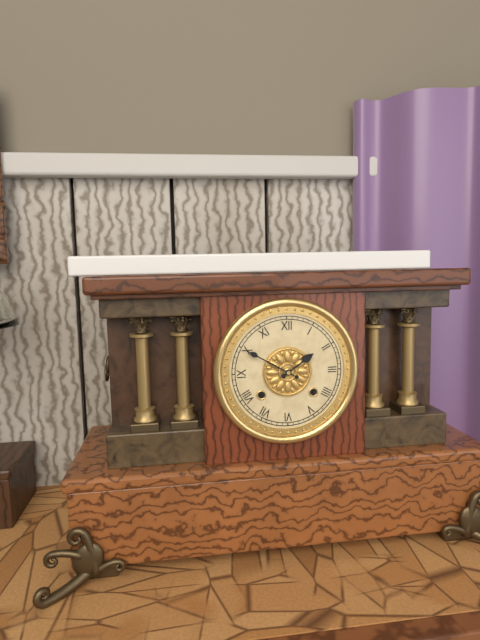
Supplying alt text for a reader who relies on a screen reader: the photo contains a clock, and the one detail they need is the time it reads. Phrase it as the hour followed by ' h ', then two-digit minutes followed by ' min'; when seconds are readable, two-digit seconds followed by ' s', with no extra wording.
1 h 50 min
